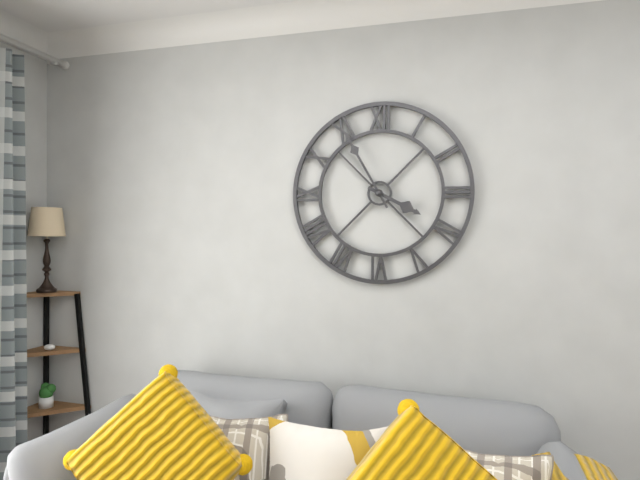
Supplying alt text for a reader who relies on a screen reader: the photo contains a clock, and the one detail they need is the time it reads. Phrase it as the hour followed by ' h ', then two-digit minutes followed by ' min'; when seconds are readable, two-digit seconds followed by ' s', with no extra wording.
3 h 55 min
